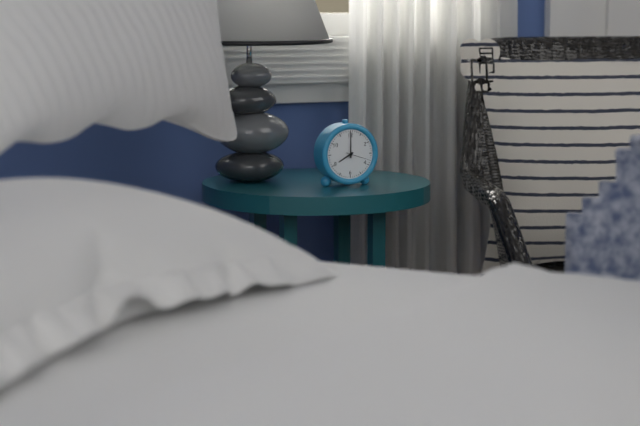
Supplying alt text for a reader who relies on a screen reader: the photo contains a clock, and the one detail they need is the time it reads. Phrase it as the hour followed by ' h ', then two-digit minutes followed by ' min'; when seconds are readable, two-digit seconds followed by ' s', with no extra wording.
8 h 00 min
